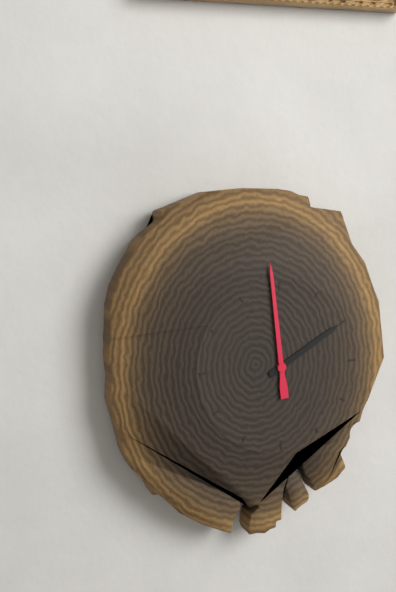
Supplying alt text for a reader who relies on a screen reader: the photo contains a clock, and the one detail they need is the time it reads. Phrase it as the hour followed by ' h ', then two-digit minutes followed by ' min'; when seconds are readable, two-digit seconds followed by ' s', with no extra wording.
1 h 59 min
